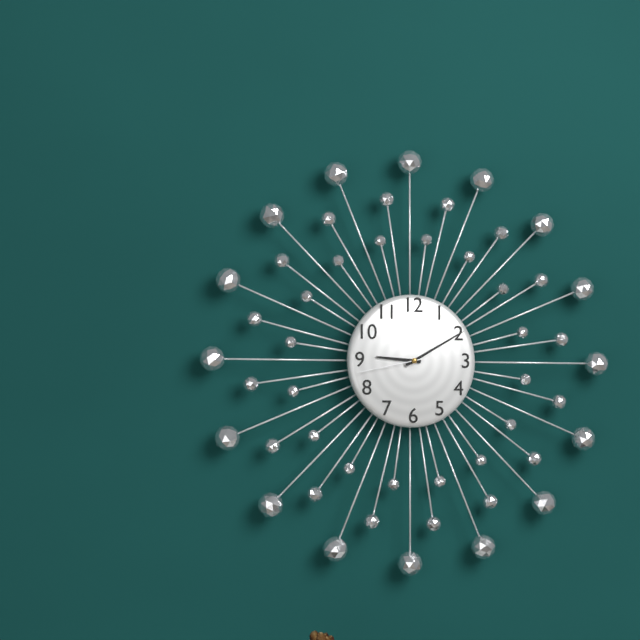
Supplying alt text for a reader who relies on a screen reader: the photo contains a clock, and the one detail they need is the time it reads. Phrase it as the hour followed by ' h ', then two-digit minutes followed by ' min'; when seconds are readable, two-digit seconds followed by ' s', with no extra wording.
9 h 10 min 43 s
